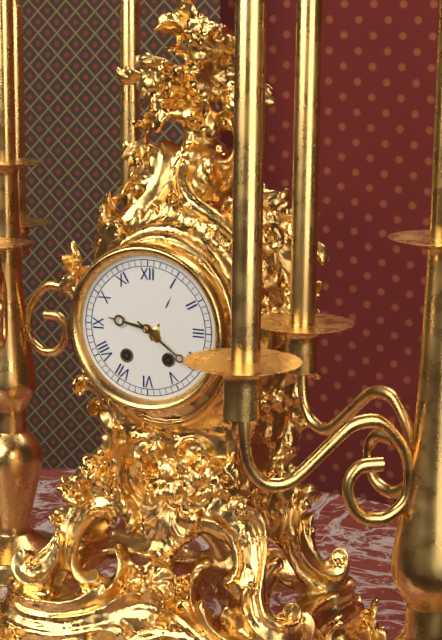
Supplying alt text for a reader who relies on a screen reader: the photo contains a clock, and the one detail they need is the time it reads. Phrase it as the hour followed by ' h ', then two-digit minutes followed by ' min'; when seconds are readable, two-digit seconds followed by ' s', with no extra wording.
9 h 21 min
